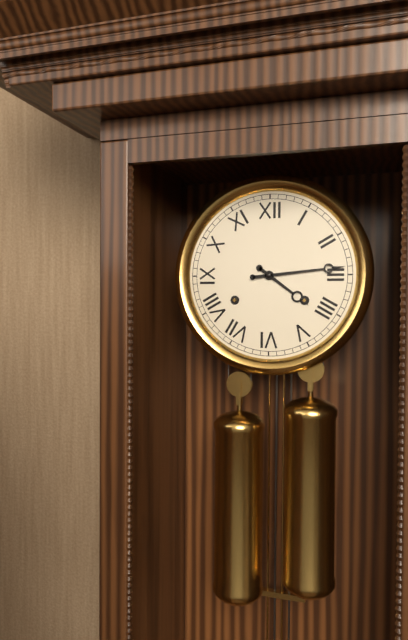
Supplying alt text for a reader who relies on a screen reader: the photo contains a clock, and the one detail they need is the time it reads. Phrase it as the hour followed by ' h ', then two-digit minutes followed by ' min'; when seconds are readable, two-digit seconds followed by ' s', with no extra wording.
4 h 14 min
